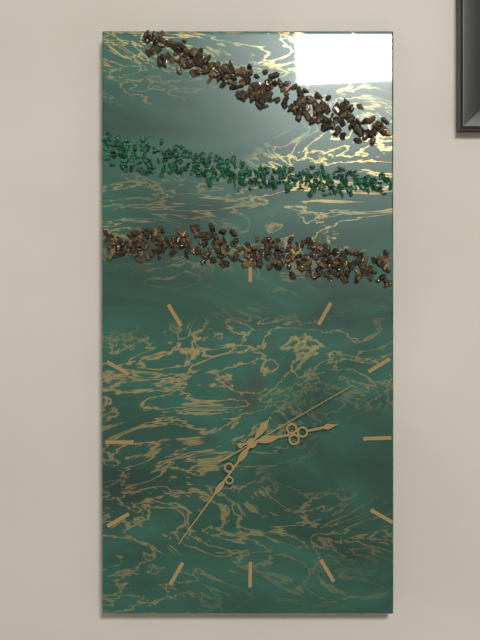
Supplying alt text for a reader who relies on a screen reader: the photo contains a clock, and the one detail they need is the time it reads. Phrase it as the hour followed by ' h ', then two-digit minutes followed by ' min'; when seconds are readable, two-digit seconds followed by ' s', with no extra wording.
2 h 36 min 10 s
